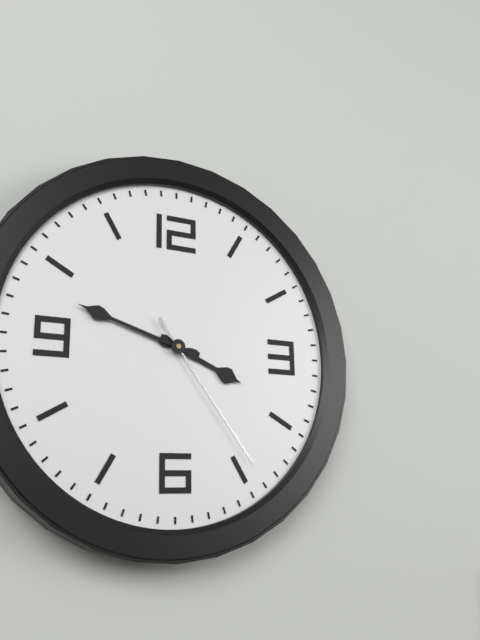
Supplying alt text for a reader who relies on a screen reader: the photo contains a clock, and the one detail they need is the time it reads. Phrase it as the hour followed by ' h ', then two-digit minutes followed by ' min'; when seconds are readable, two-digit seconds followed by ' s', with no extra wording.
3 h 48 min 24 s
